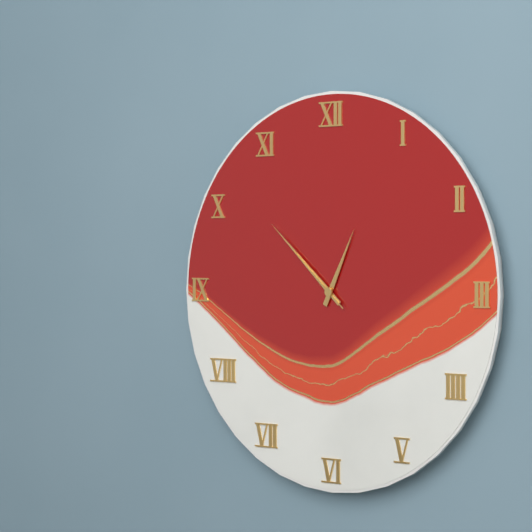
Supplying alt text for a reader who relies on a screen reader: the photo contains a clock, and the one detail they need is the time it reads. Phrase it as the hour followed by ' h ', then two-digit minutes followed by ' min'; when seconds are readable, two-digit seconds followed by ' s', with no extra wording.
12 h 52 min 52 s
